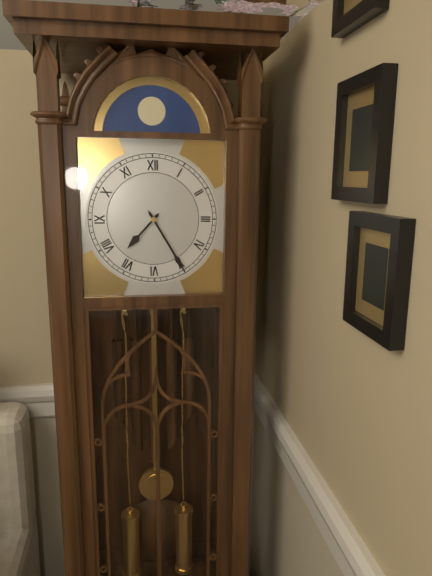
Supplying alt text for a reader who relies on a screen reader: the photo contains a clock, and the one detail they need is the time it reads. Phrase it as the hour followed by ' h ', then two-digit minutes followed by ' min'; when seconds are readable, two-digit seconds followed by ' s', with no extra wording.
7 h 25 min
